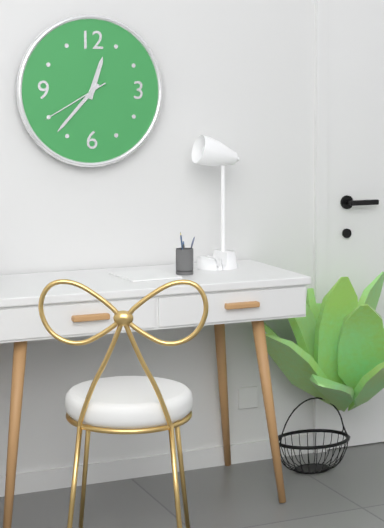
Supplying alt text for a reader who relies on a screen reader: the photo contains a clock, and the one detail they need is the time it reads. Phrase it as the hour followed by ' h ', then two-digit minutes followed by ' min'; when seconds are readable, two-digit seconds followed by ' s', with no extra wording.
12 h 37 min 40 s
